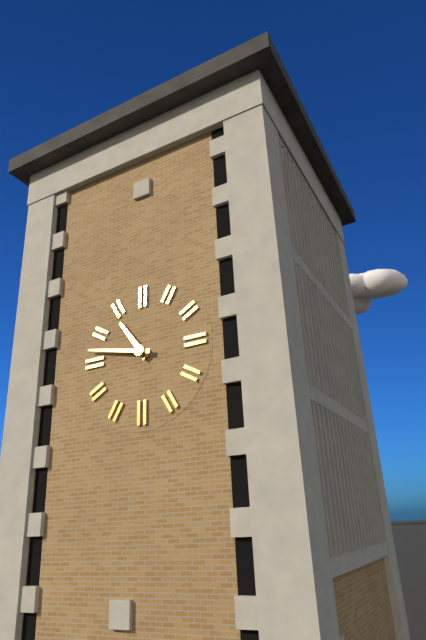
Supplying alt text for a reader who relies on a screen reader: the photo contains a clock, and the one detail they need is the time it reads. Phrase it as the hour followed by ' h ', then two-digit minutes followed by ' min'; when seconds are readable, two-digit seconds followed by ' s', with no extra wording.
10 h 47 min
